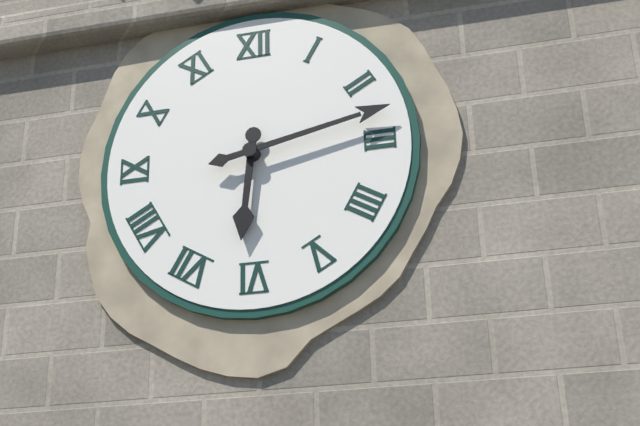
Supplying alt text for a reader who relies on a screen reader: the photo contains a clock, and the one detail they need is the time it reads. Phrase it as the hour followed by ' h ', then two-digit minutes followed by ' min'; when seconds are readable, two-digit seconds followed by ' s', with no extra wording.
6 h 13 min
